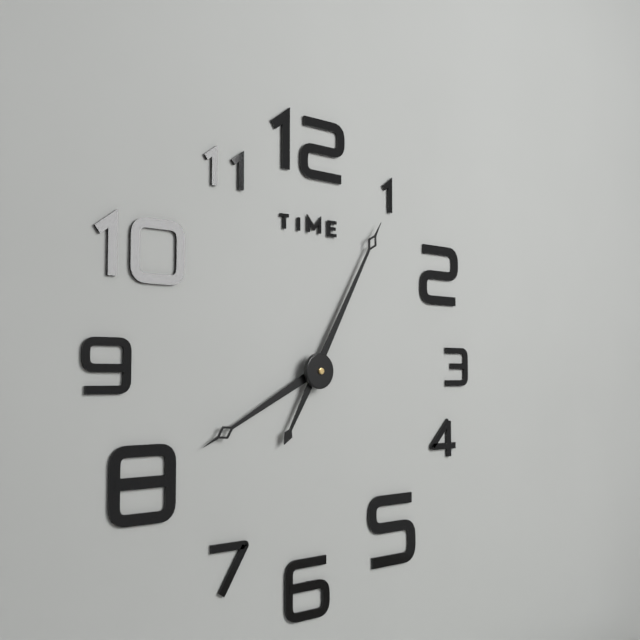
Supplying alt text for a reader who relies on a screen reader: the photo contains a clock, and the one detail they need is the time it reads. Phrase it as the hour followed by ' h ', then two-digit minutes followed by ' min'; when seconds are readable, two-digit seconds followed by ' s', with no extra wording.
8 h 05 min
